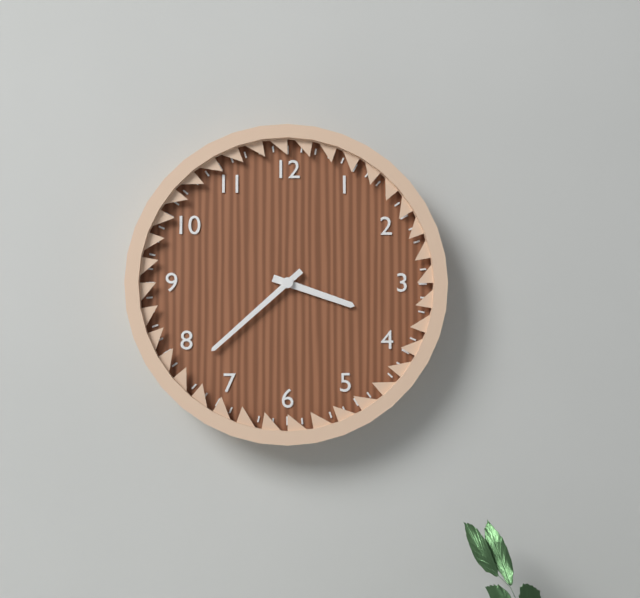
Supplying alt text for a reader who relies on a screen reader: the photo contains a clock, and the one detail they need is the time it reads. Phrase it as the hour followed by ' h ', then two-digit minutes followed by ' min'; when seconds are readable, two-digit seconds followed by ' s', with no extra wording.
3 h 38 min
